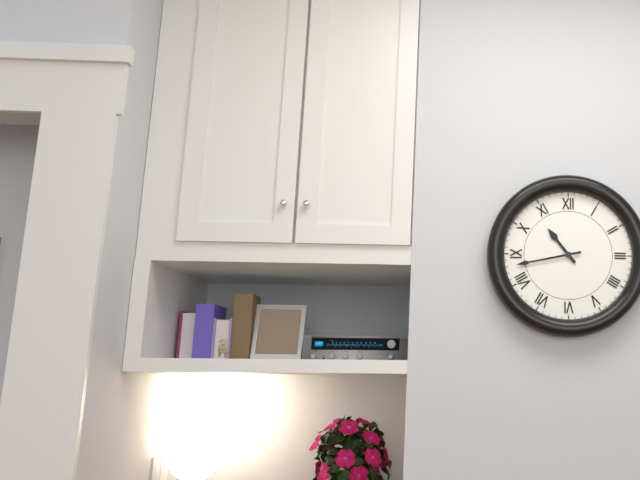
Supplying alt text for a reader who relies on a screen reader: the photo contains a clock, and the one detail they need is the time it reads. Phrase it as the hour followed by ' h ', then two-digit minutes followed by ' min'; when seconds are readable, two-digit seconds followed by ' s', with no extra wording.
10 h 43 min
